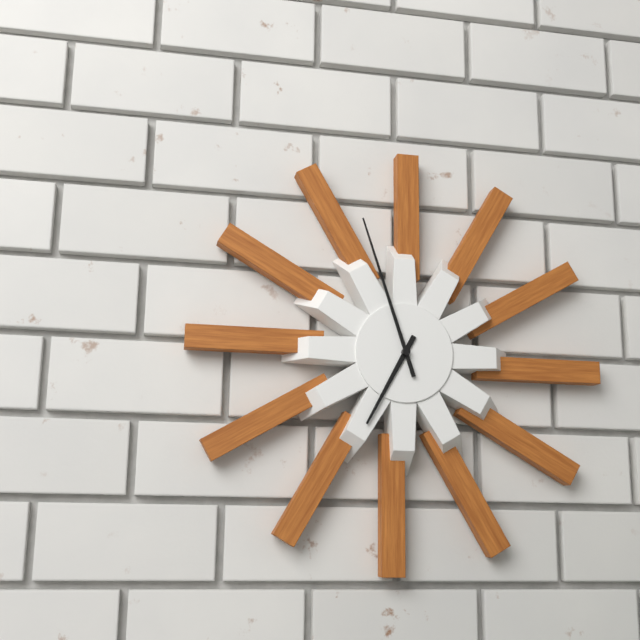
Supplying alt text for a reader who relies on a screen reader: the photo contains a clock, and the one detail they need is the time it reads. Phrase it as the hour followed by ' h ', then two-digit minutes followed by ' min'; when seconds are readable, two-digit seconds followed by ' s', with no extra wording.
6 h 57 min
